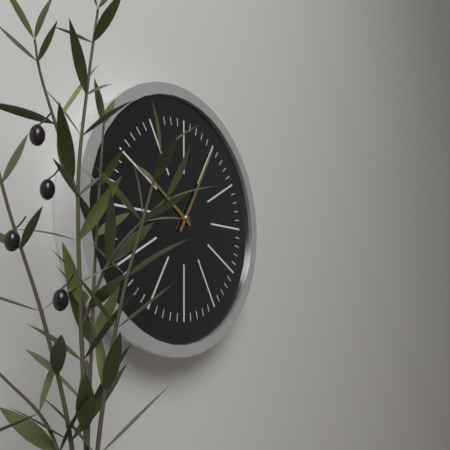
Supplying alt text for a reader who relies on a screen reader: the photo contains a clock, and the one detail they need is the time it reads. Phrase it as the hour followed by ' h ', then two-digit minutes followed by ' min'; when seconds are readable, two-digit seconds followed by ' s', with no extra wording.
10 h 05 min
